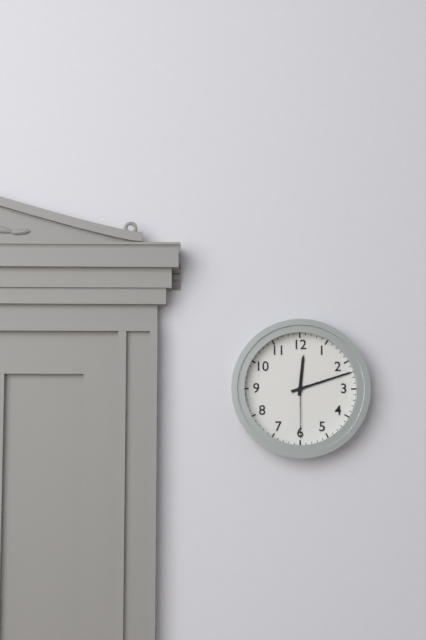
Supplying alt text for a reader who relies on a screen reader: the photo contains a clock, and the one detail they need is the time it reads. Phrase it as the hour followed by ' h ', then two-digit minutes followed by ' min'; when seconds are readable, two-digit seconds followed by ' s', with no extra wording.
12 h 12 min 30 s
